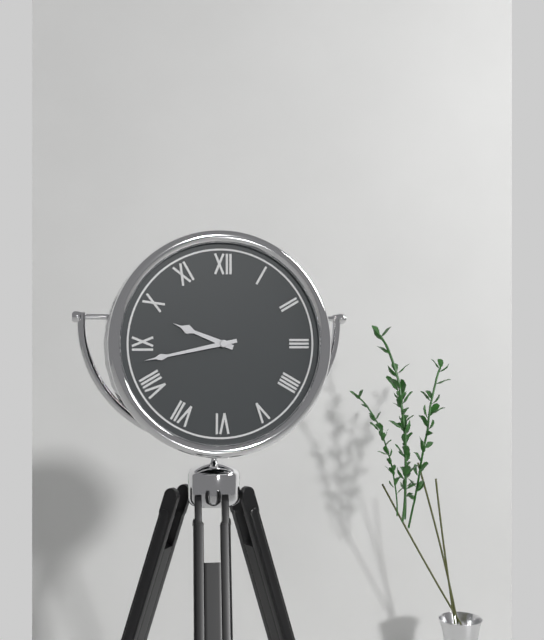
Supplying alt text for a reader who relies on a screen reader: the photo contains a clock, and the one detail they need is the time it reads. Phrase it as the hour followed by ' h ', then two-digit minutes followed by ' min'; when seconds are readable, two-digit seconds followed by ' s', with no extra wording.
9 h 43 min
